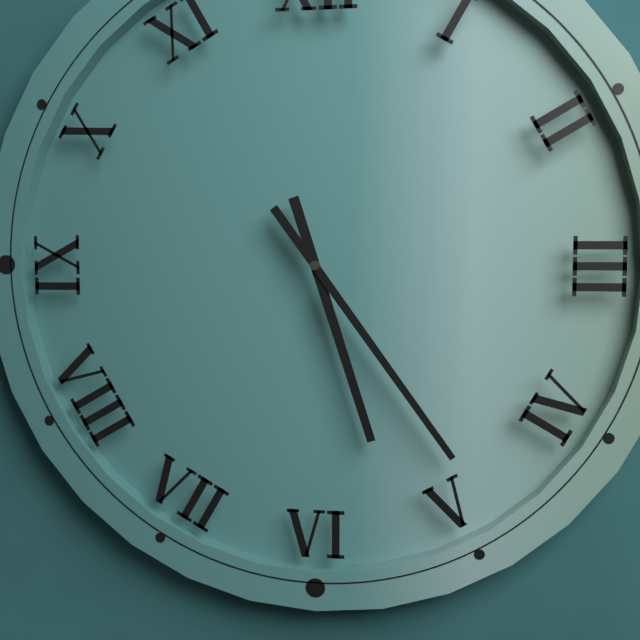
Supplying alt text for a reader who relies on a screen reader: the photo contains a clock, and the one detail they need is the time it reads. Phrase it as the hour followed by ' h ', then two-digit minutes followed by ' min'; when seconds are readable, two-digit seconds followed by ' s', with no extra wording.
5 h 24 min
